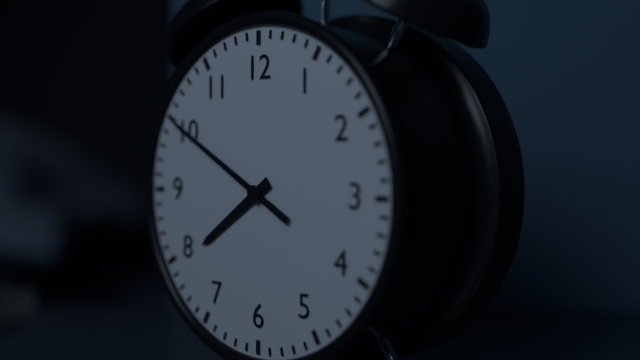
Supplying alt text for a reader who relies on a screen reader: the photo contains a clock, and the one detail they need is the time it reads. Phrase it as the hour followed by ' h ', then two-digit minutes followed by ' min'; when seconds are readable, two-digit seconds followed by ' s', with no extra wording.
7 h 50 min
